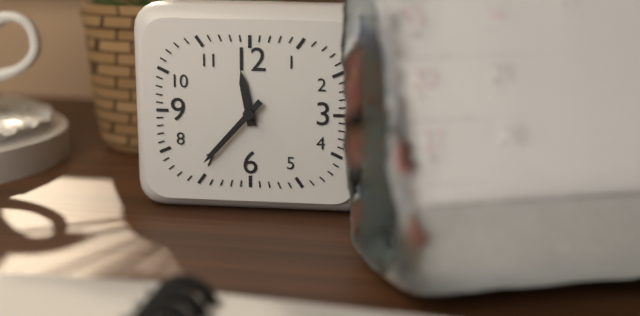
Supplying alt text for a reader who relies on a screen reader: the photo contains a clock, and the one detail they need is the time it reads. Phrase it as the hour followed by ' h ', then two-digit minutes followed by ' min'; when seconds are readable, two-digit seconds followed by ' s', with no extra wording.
11 h 37 min
